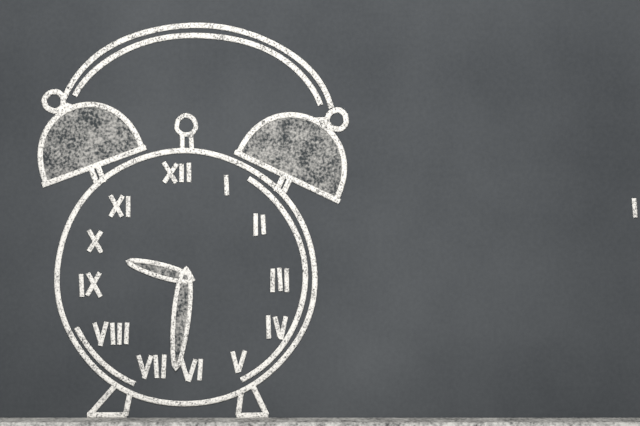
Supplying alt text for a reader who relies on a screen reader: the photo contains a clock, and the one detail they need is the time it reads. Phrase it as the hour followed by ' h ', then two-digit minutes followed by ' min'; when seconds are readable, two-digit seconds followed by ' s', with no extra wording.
9 h 31 min
